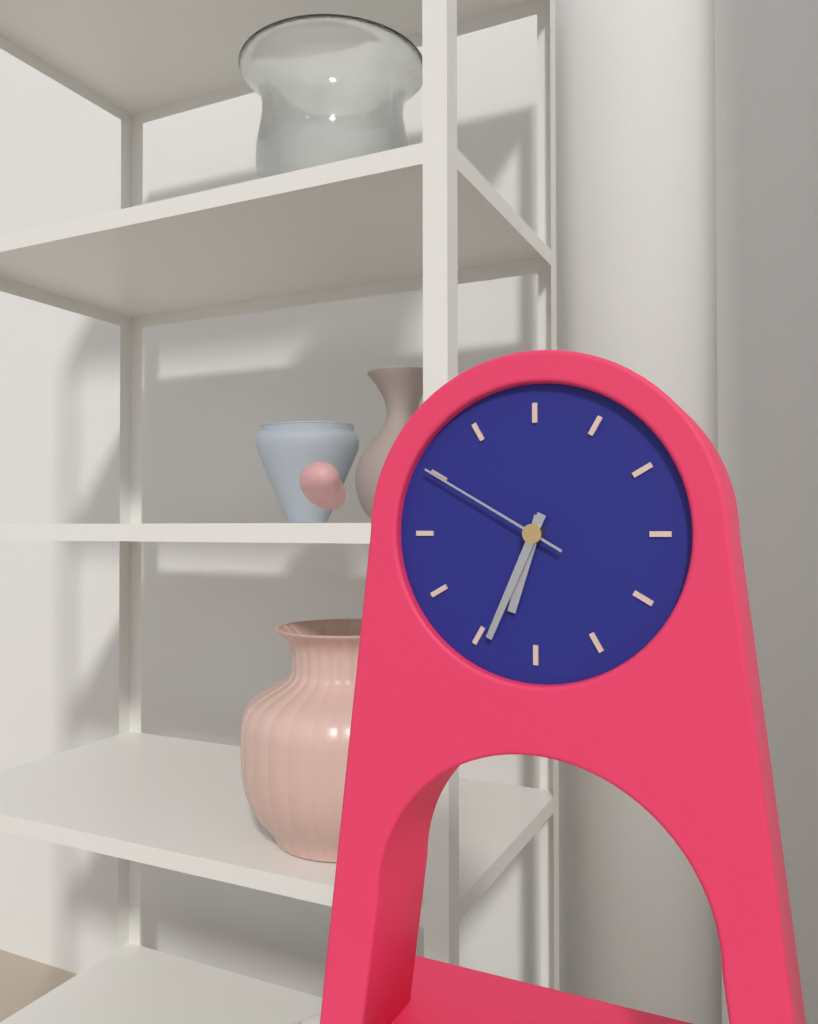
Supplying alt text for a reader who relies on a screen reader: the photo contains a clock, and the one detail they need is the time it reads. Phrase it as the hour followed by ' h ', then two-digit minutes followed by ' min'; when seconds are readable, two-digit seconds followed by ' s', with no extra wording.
6 h 34 min 50 s
